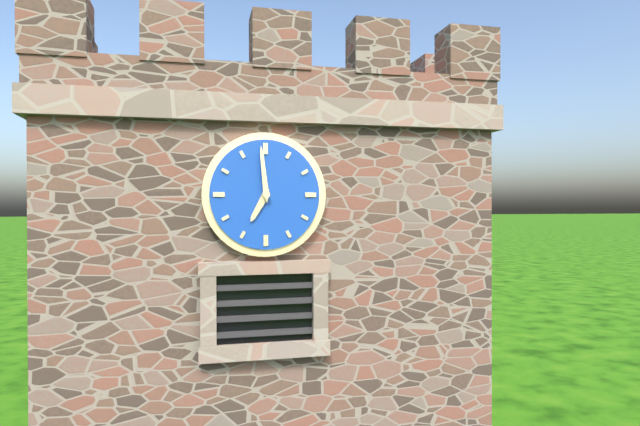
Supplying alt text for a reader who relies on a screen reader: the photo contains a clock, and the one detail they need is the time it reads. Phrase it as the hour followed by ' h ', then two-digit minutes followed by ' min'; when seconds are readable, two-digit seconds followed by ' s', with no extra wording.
6 h 59 min
